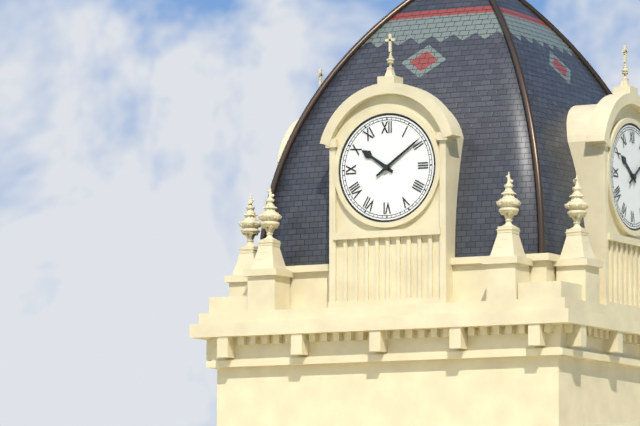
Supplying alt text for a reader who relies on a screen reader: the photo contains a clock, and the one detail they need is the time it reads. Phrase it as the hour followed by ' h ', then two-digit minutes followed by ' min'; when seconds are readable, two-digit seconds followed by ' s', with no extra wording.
10 h 09 min
